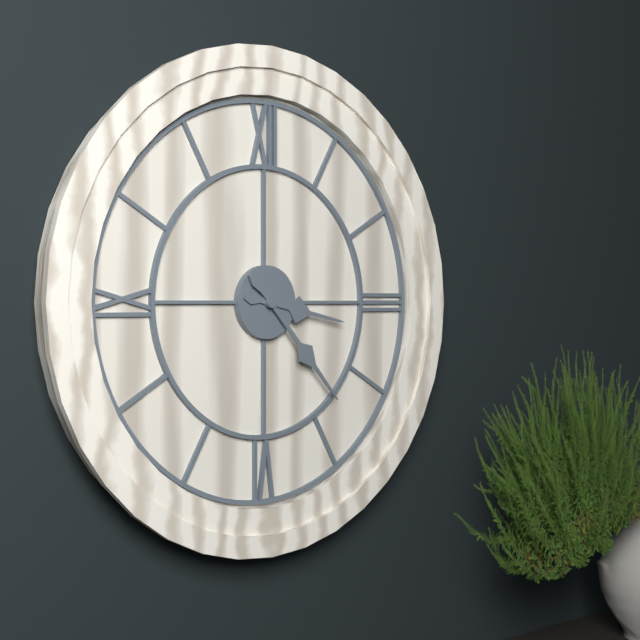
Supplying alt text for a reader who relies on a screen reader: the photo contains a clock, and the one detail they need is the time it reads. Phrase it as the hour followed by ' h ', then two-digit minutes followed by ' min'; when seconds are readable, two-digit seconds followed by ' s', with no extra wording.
3 h 23 min
